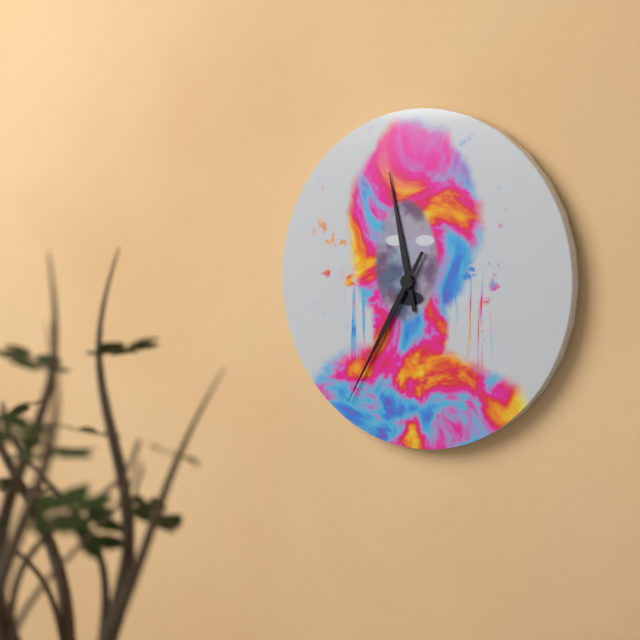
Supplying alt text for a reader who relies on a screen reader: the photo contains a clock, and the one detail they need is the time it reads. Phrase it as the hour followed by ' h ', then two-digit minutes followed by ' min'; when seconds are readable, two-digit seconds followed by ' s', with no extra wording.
11 h 35 min
